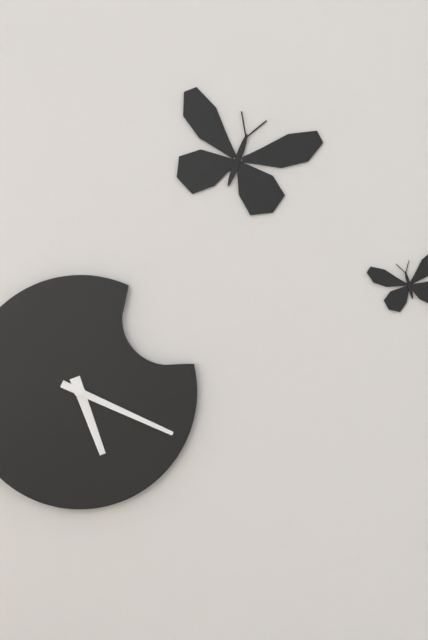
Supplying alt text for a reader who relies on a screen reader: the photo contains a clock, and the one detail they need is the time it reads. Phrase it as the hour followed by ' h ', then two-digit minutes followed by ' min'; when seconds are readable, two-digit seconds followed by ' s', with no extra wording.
5 h 19 min
